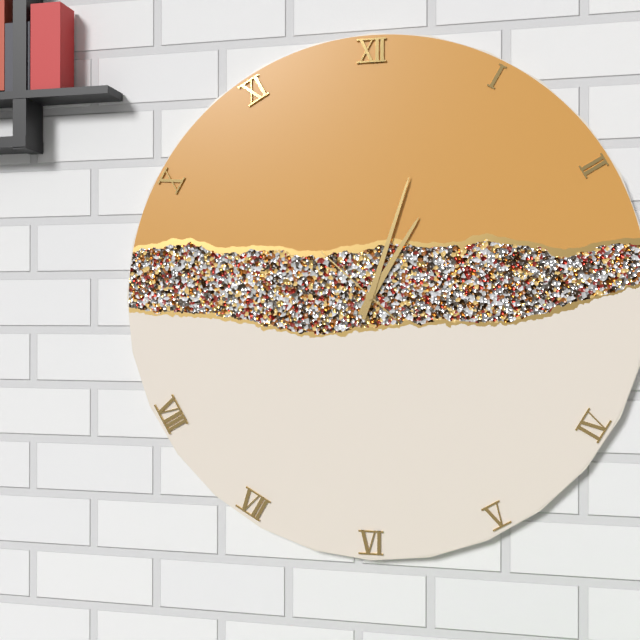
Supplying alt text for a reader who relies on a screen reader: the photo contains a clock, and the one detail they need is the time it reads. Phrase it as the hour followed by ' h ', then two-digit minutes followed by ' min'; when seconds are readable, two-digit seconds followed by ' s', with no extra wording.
1 h 03 min 52 s
